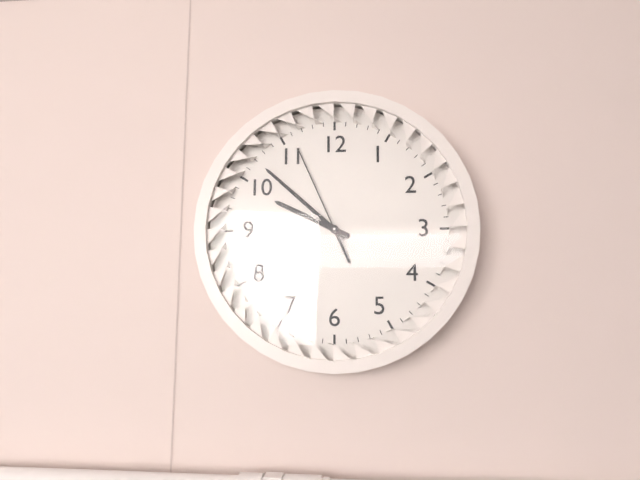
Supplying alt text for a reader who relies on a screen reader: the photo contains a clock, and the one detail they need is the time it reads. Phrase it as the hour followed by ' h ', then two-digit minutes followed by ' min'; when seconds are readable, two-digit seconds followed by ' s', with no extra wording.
9 h 52 min 56 s
